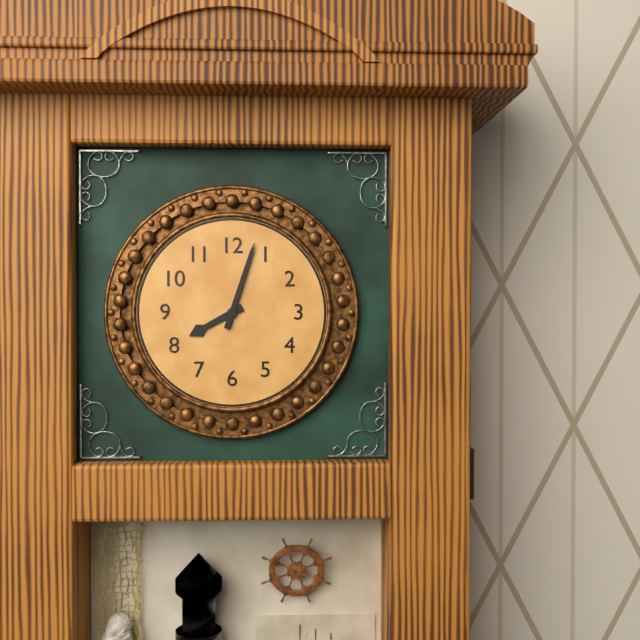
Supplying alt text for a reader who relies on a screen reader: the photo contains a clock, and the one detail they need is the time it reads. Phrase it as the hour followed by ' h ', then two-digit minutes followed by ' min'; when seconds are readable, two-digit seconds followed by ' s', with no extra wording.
8 h 03 min
